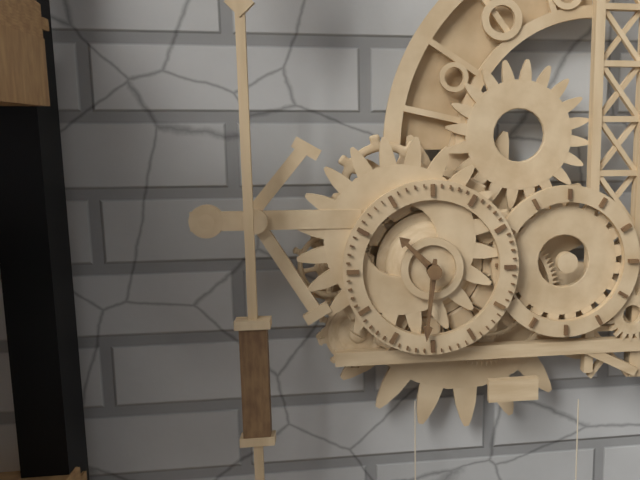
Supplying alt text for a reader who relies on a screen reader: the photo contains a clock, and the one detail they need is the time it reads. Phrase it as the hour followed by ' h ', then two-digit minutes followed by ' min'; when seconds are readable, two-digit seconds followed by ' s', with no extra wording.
10 h 31 min
